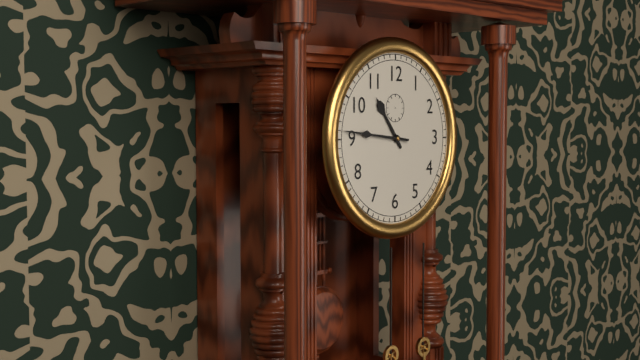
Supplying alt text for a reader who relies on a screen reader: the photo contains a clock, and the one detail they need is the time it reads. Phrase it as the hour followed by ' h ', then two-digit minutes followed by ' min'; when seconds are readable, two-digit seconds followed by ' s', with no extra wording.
10 h 46 min
